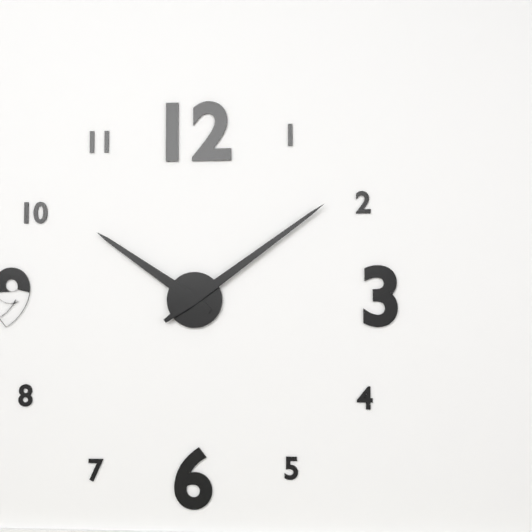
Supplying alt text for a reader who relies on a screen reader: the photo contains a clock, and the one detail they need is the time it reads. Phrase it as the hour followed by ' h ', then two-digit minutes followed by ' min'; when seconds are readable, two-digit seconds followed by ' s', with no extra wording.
10 h 09 min
